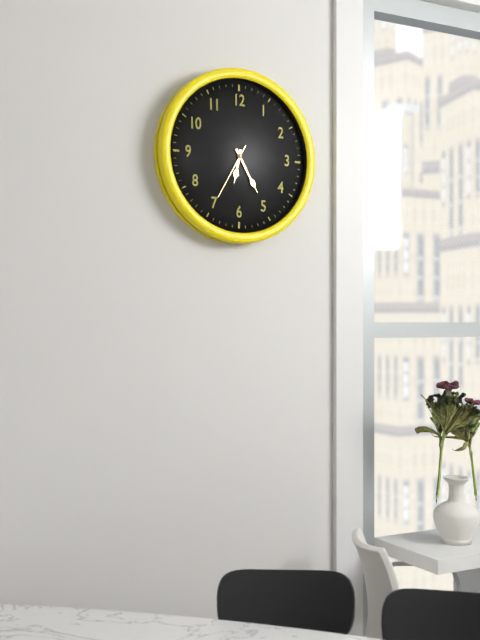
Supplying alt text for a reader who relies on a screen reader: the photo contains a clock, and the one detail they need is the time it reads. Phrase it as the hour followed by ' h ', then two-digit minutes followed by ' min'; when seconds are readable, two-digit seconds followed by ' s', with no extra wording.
6 h 25 min 35 s
